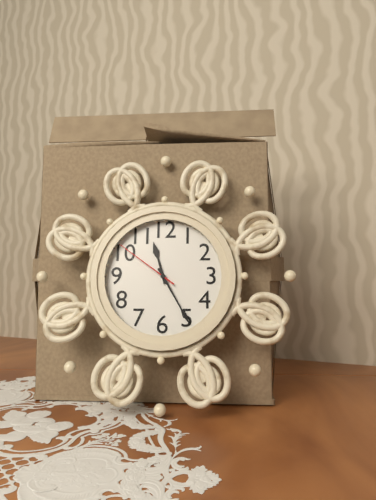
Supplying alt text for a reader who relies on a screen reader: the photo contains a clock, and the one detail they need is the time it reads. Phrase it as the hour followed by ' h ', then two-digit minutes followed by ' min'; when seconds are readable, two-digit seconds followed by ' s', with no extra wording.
11 h 25 min 51 s
